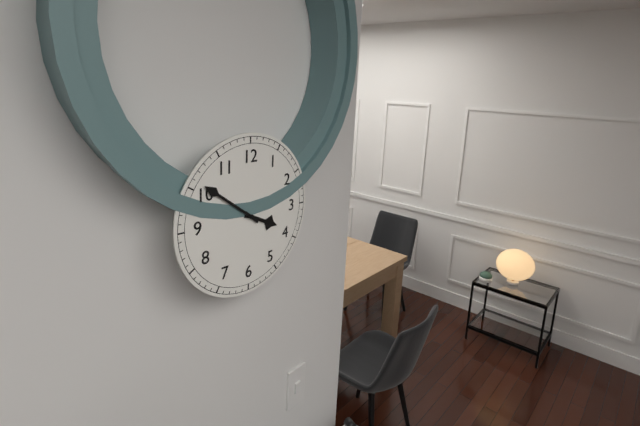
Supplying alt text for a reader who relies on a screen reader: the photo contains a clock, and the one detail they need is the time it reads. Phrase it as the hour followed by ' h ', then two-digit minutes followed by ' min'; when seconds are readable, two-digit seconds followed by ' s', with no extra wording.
3 h 51 min
